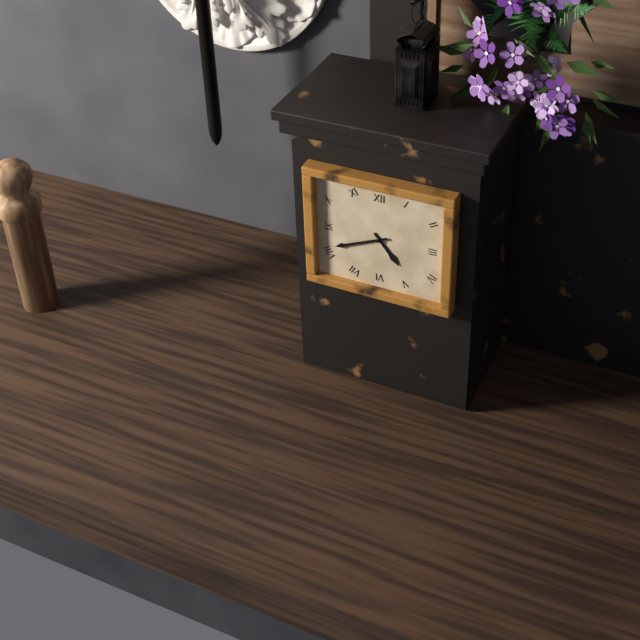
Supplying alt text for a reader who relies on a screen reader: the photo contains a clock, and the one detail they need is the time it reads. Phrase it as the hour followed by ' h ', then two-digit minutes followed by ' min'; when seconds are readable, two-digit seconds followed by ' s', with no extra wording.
4 h 41 min
